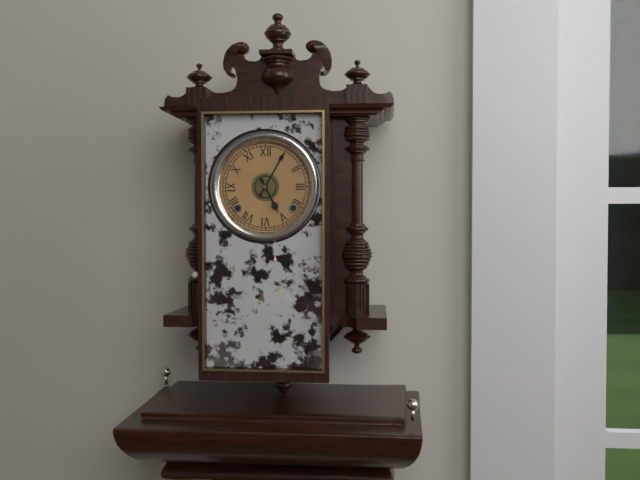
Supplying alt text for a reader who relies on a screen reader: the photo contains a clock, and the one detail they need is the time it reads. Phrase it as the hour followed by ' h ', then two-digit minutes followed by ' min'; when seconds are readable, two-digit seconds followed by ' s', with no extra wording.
5 h 05 min
